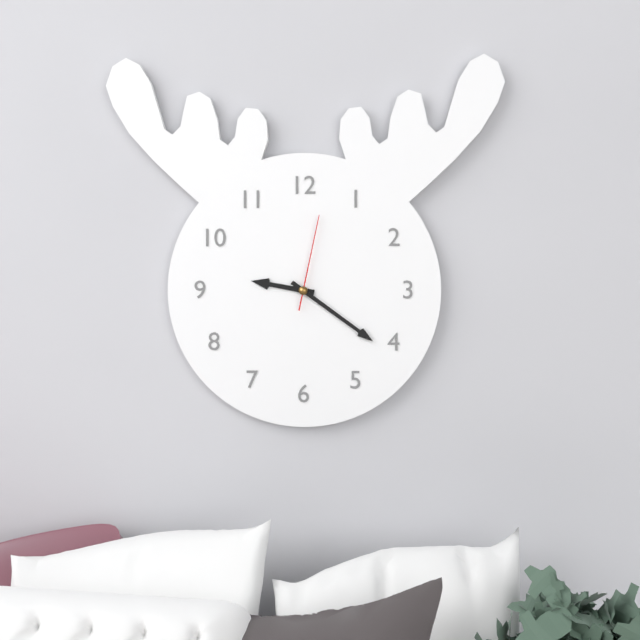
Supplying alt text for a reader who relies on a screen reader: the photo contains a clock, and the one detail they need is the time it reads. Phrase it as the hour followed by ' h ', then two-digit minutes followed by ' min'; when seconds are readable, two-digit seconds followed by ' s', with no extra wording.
9 h 21 min 02 s
